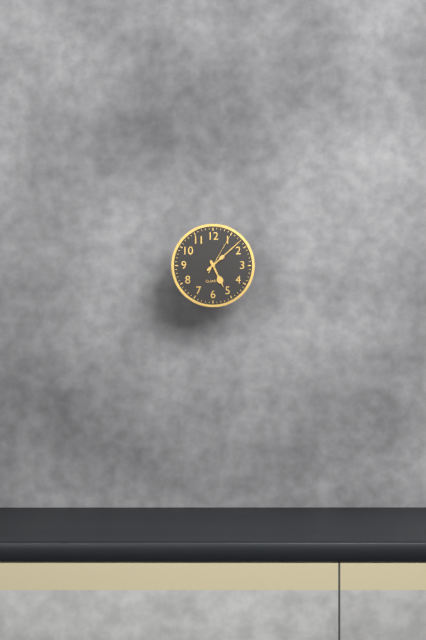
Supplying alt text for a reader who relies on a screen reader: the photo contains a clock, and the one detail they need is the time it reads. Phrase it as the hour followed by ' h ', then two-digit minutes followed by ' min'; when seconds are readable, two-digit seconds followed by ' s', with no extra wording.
5 h 08 min
